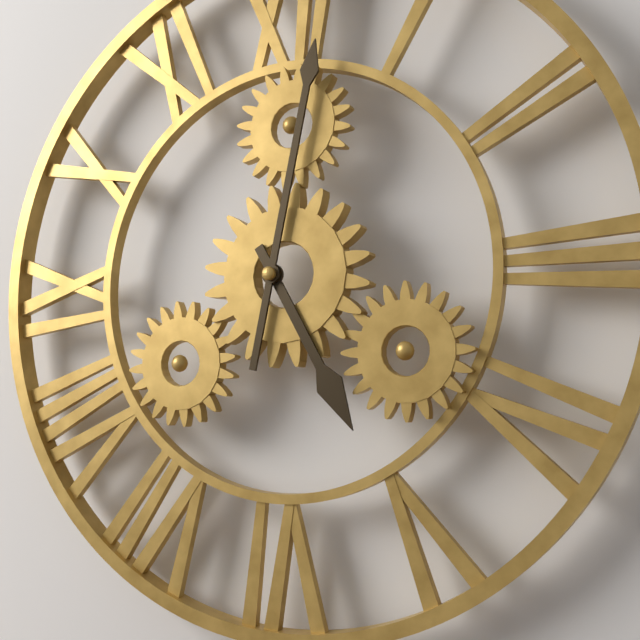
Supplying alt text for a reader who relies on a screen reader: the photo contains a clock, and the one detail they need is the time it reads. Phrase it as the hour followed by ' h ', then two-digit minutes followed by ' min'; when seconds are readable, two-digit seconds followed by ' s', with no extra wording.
5 h 02 min
